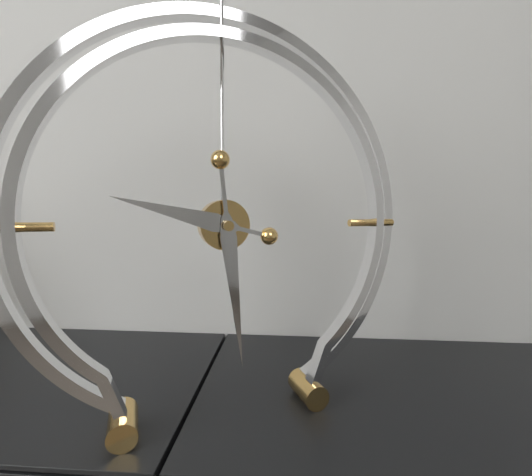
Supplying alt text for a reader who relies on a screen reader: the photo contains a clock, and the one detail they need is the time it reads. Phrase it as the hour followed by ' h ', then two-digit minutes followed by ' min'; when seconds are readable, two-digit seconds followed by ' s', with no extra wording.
9 h 29 min
